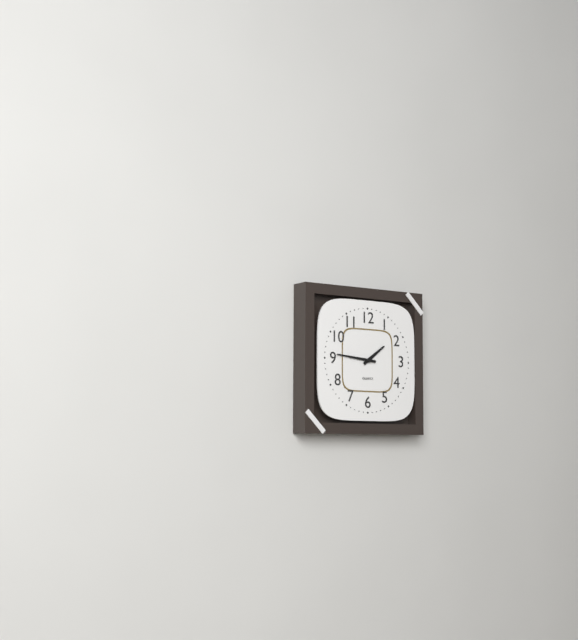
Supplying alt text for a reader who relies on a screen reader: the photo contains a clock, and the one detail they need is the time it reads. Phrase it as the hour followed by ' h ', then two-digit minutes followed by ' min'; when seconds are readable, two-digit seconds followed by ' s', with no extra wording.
1 h 46 min
